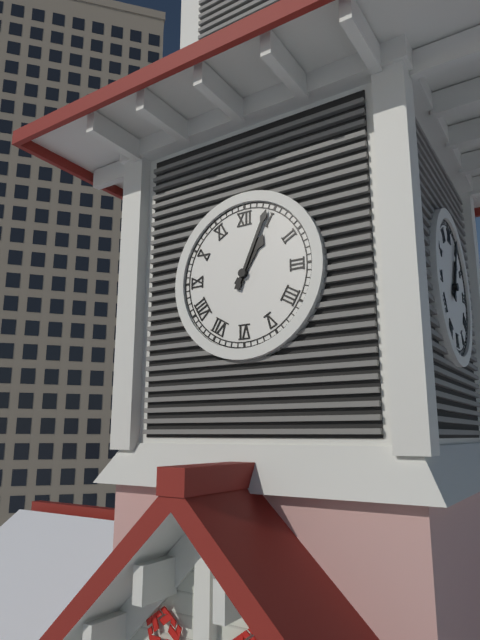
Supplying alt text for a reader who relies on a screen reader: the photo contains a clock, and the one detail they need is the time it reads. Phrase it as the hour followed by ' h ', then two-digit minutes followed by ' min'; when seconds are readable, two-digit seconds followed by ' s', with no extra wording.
1 h 04 min
